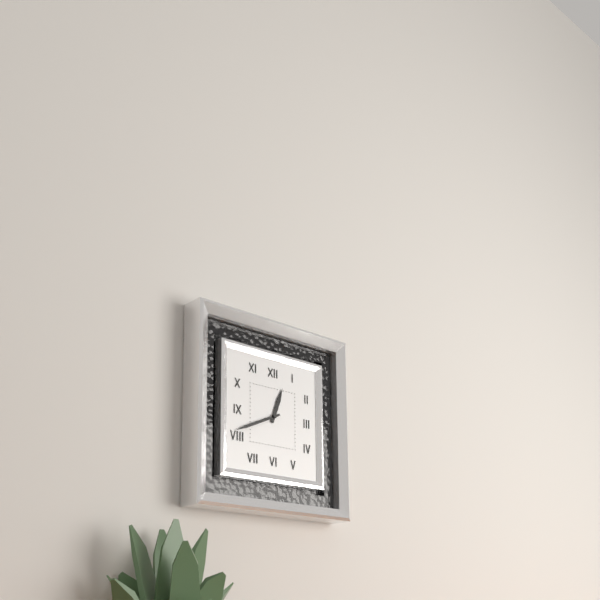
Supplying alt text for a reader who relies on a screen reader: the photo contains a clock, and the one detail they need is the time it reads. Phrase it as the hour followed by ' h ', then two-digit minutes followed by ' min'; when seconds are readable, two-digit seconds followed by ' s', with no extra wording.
12 h 41 min
